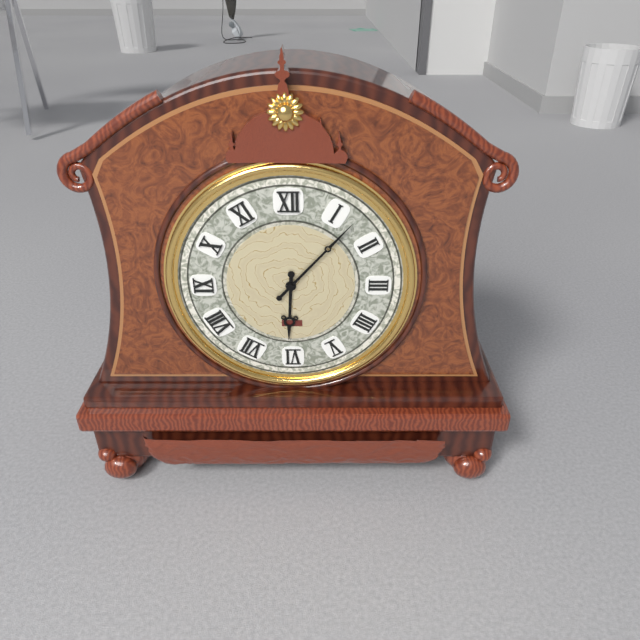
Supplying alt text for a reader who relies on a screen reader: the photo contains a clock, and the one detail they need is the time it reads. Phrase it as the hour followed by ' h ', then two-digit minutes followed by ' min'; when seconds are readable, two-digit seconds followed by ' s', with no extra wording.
6 h 07 min
